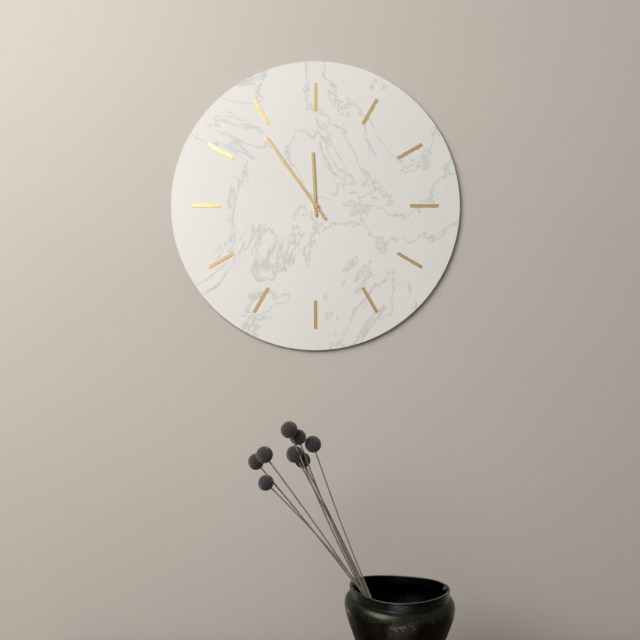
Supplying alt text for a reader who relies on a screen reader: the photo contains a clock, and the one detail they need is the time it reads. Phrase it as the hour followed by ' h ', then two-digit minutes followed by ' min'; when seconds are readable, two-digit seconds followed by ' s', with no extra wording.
11 h 54 min
